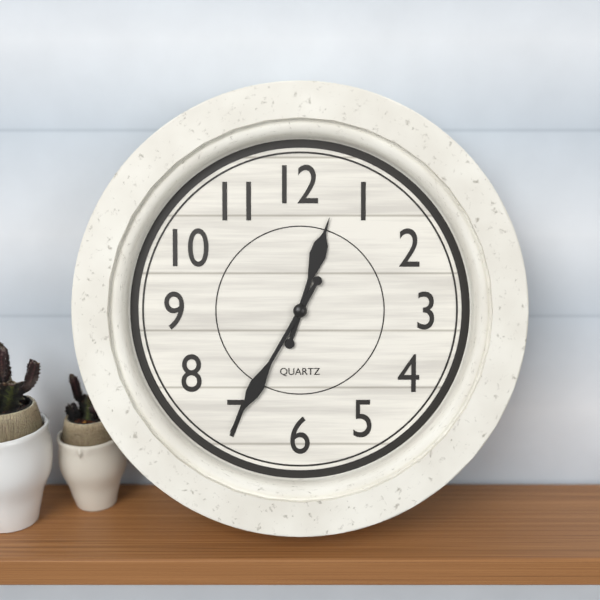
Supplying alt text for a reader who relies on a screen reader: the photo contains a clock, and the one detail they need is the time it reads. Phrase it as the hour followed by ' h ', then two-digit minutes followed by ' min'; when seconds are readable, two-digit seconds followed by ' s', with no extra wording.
12 h 35 min
